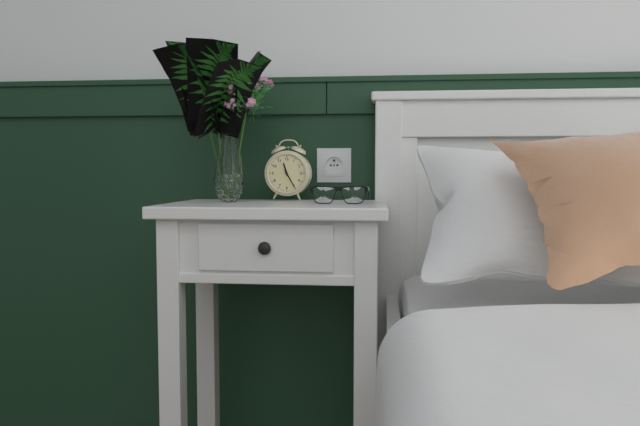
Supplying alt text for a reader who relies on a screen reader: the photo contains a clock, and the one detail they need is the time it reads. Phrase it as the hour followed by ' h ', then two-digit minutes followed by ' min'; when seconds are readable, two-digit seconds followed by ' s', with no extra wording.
11 h 25 min
